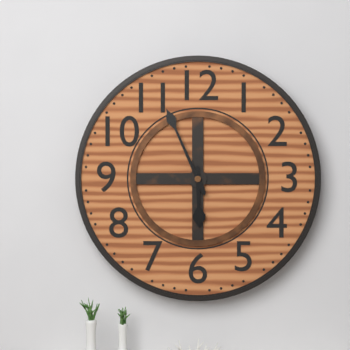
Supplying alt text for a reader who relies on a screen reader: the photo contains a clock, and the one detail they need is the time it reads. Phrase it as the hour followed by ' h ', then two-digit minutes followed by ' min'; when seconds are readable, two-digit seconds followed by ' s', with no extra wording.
5 h 56 min
